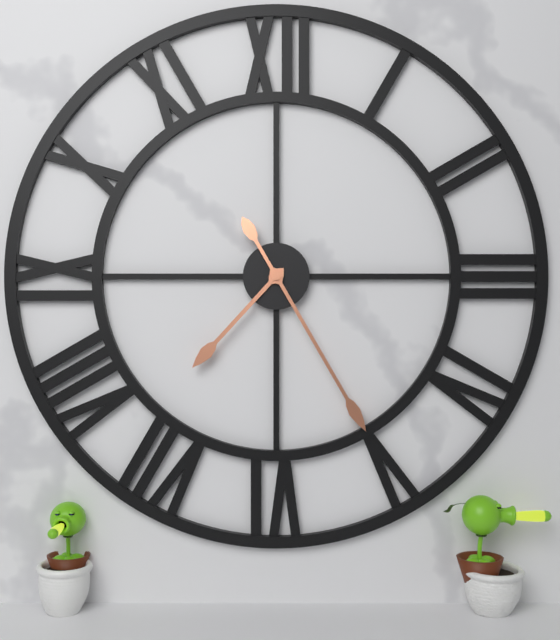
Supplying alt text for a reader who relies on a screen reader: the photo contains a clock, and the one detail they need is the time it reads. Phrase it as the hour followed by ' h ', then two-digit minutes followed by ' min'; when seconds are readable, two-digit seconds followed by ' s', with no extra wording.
7 h 25 min
